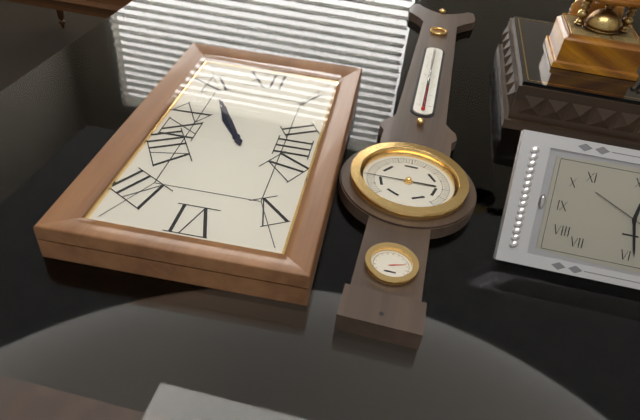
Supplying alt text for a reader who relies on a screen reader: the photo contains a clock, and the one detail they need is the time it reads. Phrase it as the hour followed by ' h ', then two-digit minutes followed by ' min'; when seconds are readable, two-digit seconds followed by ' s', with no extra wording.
10 h 55 min
